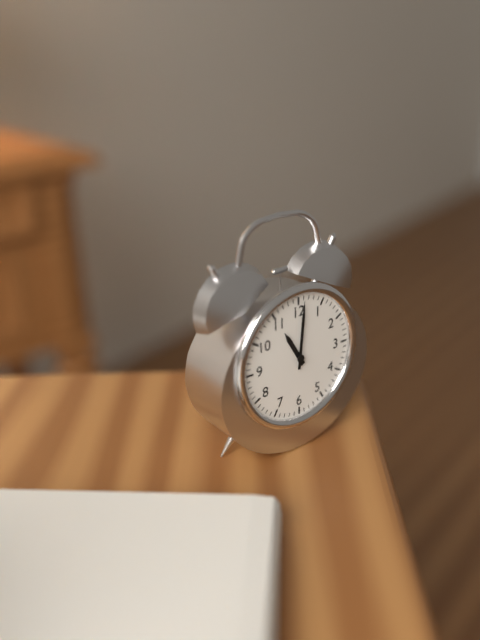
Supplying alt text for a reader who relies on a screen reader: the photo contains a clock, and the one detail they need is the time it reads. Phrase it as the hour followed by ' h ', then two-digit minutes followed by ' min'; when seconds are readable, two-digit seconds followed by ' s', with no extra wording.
11 h 01 min
